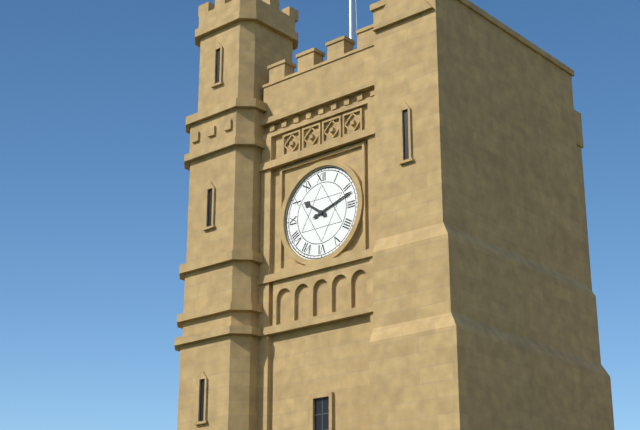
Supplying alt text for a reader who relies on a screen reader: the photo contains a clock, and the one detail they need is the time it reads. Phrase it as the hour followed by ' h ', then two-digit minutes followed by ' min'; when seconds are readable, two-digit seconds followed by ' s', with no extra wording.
10 h 12 min
